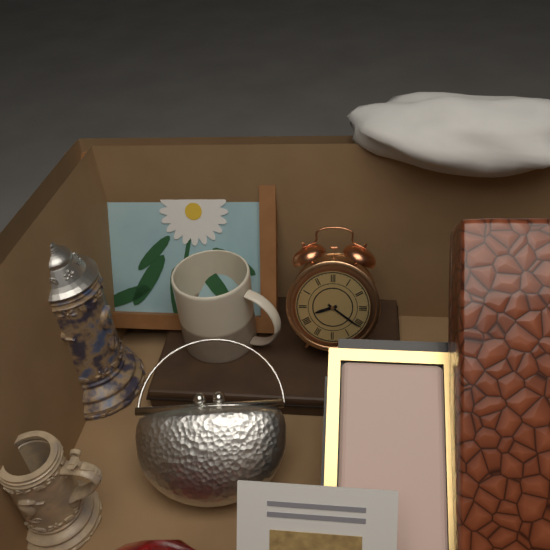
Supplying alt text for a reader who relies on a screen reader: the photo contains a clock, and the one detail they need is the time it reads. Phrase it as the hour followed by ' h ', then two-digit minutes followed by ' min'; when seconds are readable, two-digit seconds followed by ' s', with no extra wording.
8 h 21 min
